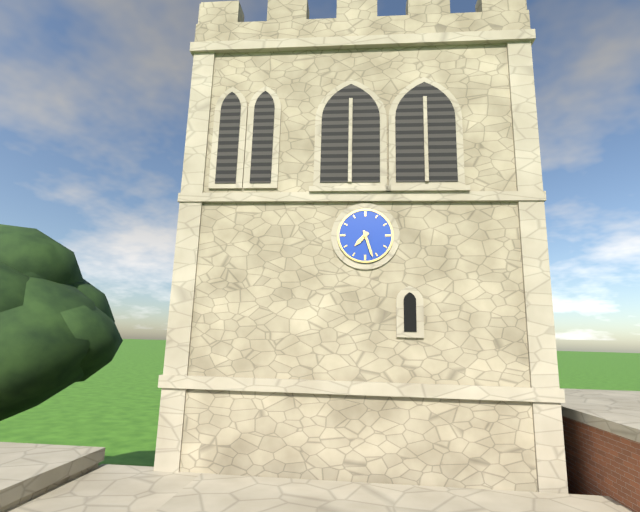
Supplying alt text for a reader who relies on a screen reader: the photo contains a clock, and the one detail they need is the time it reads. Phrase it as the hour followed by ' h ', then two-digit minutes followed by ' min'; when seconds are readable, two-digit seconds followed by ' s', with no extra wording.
7 h 27 min
